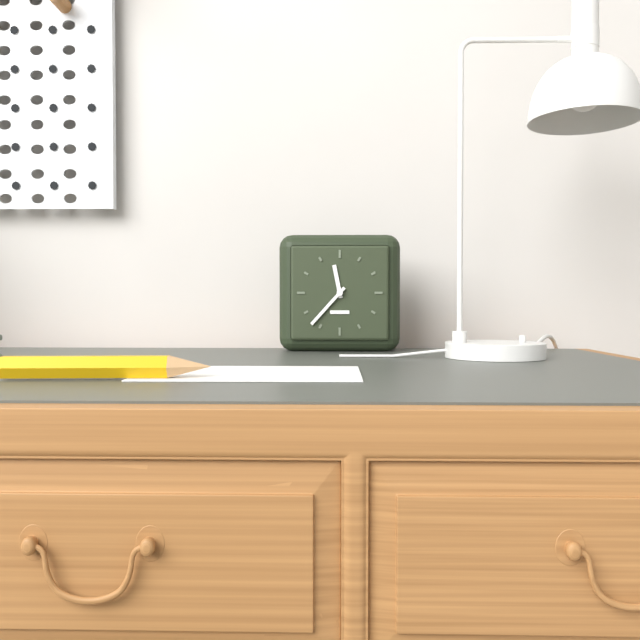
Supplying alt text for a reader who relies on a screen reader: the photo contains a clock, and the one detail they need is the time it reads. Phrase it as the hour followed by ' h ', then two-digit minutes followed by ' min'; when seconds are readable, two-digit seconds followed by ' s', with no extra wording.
11 h 37 min
